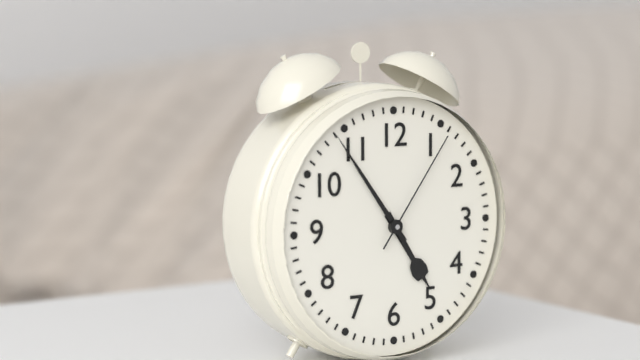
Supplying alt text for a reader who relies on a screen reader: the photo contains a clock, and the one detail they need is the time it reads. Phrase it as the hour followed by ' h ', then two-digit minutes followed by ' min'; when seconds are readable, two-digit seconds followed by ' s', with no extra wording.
4 h 54 min 06 s
